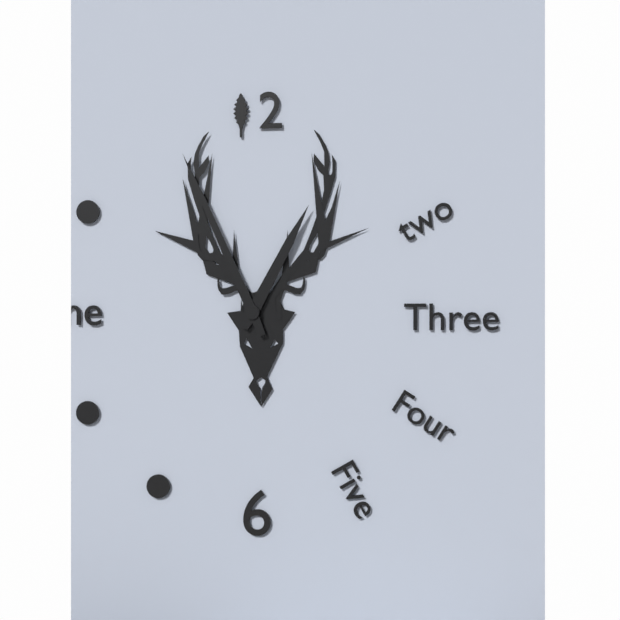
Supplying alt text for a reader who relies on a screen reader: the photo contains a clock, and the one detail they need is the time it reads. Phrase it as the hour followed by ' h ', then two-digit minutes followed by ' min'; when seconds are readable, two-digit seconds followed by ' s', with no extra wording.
12 h 56 min
